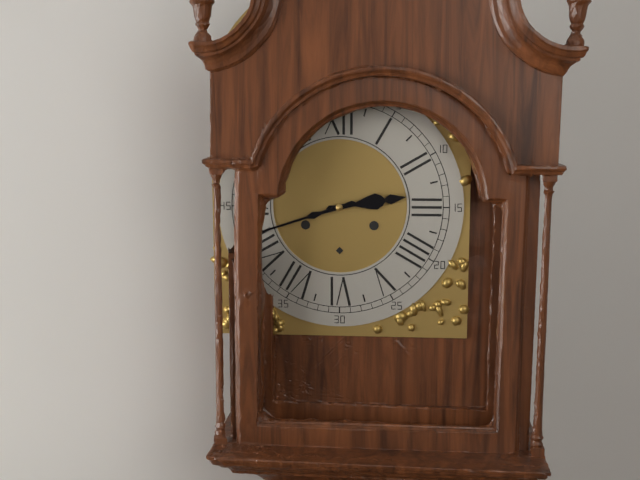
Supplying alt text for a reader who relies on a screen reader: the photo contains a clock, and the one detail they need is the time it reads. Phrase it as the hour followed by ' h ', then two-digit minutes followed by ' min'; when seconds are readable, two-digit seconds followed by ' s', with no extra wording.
2 h 42 min
